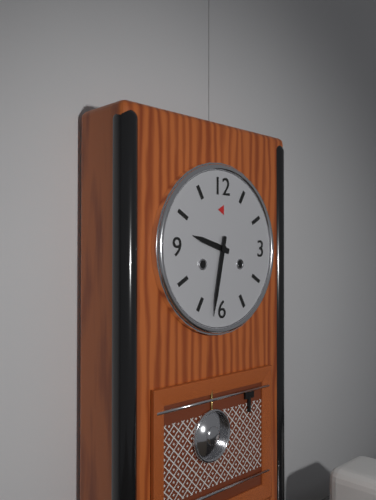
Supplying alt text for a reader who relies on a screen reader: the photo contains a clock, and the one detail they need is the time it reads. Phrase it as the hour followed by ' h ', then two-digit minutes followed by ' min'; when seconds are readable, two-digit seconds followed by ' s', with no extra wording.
9 h 32 min
